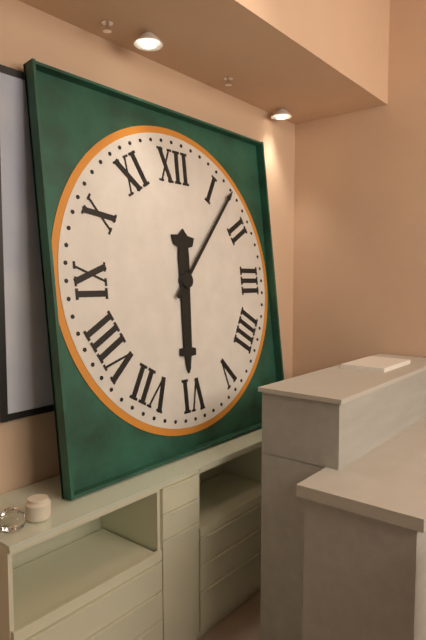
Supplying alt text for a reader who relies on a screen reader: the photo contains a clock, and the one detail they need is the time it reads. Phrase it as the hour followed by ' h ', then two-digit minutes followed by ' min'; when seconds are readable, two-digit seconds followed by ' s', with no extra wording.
6 h 07 min
